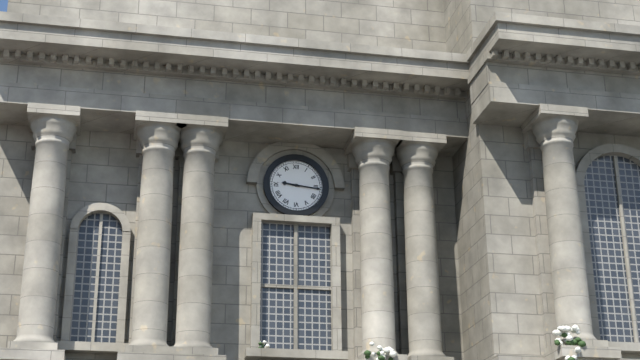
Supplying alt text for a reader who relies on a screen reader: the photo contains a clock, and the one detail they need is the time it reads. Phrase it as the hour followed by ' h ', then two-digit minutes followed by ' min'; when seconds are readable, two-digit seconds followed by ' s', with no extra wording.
9 h 16 min
